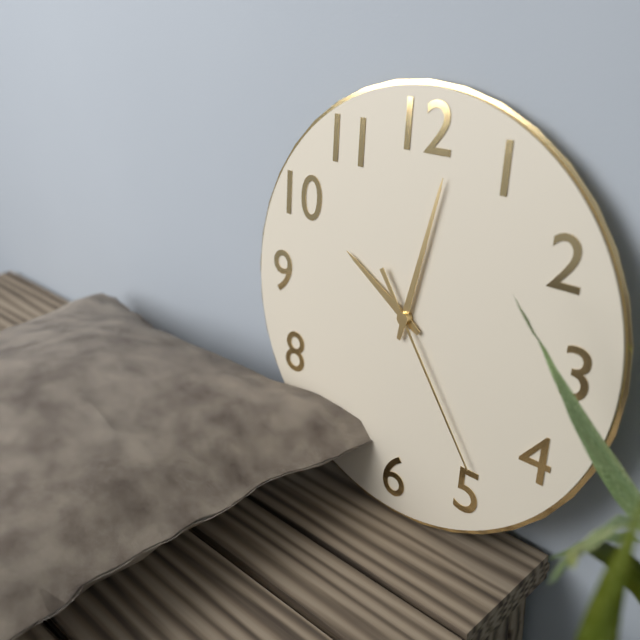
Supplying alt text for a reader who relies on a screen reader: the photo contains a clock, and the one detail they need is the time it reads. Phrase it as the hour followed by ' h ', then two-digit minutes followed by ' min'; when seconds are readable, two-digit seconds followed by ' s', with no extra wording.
10 h 02 min 24 s
